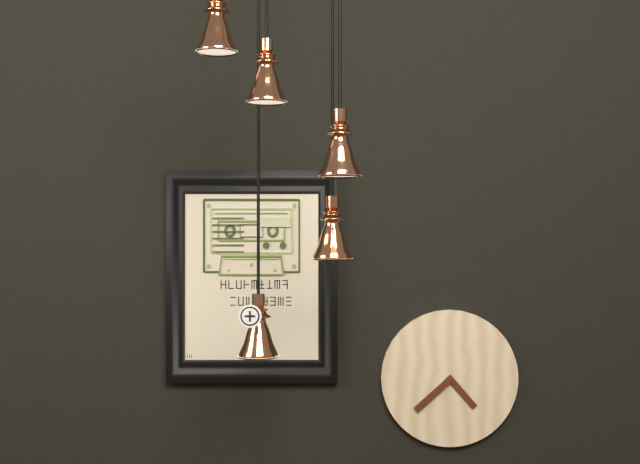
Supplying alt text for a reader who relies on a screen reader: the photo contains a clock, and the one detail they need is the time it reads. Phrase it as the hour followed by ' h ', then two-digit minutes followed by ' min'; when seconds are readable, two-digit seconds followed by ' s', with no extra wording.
4 h 38 min
